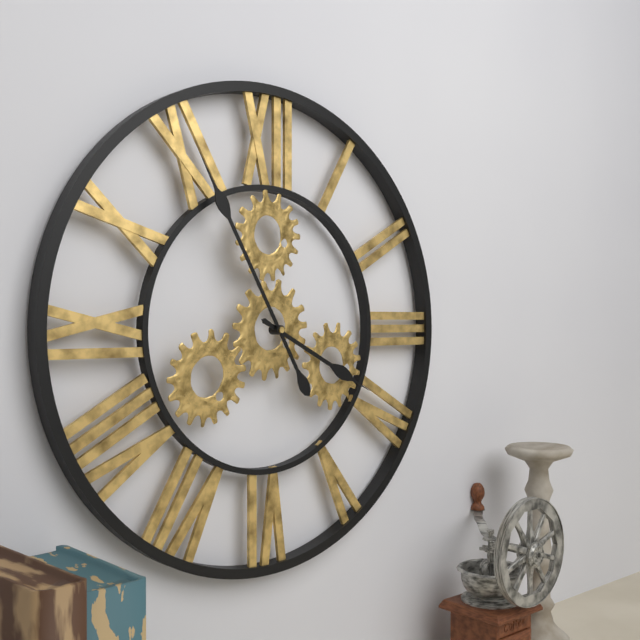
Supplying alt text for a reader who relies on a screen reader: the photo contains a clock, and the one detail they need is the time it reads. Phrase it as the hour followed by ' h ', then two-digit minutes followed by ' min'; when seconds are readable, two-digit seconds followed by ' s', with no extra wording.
3 h 55 min
